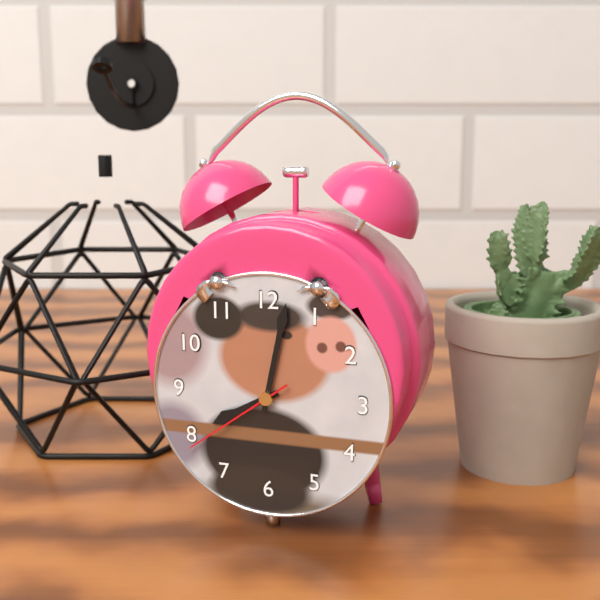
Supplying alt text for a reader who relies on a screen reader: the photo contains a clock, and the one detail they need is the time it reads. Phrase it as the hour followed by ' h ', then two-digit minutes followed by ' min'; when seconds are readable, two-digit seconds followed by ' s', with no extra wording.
8 h 02 min 39 s
